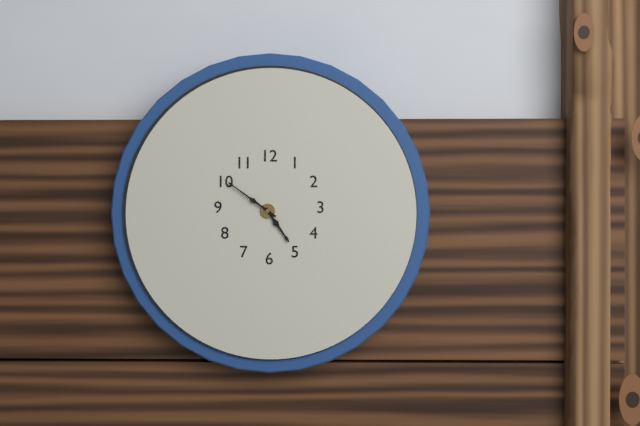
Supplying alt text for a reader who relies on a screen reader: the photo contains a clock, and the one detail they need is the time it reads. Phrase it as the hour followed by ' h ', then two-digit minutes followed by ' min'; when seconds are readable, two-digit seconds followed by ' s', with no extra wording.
4 h 51 min
